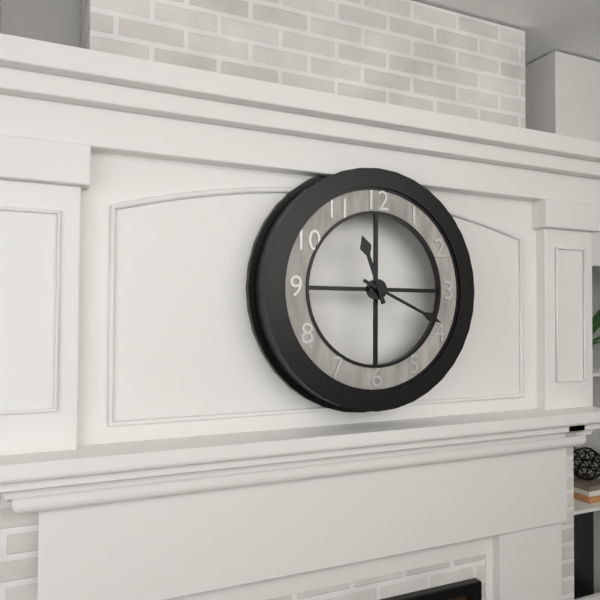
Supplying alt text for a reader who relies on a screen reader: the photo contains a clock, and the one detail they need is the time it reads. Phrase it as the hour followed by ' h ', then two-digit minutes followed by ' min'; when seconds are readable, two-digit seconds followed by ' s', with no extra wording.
11 h 19 min
